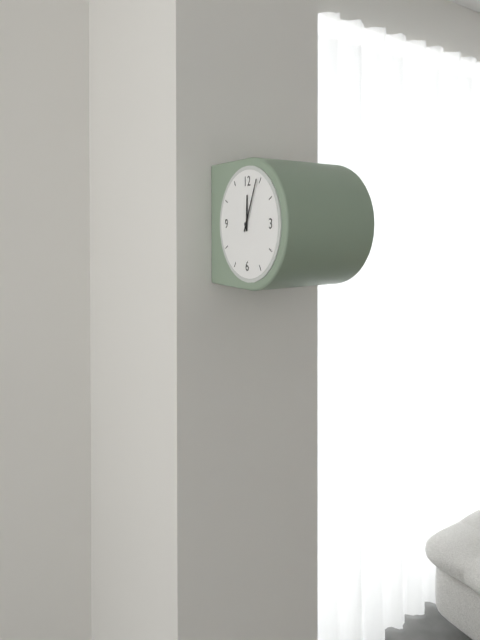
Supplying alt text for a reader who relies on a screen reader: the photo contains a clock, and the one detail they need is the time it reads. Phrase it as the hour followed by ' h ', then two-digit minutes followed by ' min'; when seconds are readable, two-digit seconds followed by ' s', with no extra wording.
12 h 04 min
